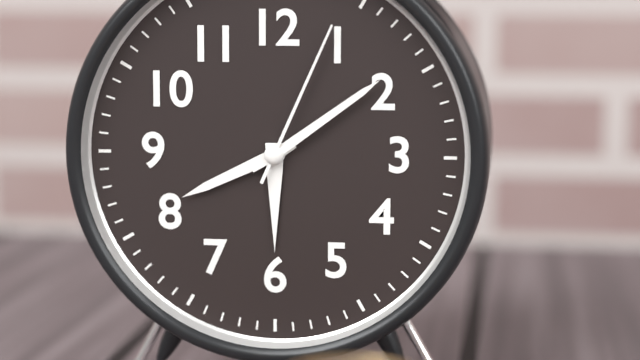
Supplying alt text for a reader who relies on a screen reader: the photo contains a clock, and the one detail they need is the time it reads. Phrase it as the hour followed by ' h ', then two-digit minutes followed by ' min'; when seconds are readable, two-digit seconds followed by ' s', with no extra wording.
8 h 09 min 04 s
